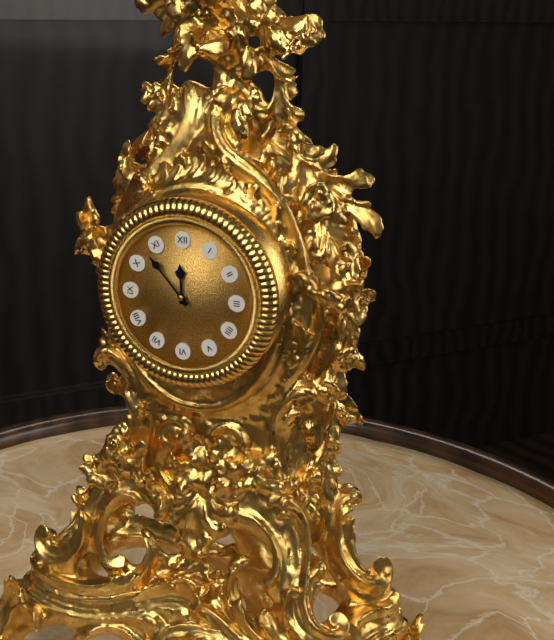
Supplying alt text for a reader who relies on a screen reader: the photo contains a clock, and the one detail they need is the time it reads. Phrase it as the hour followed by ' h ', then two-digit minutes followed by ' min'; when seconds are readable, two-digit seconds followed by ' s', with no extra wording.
11 h 53 min
